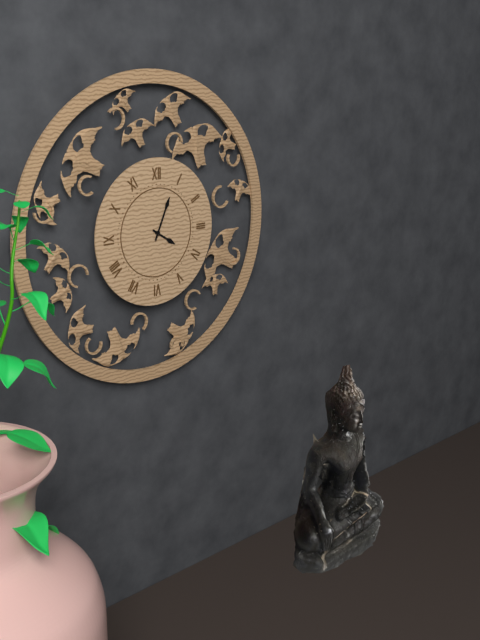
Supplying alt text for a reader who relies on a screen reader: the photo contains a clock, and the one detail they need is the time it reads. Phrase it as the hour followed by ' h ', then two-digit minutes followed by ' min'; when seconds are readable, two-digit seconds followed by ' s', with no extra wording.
4 h 04 min
